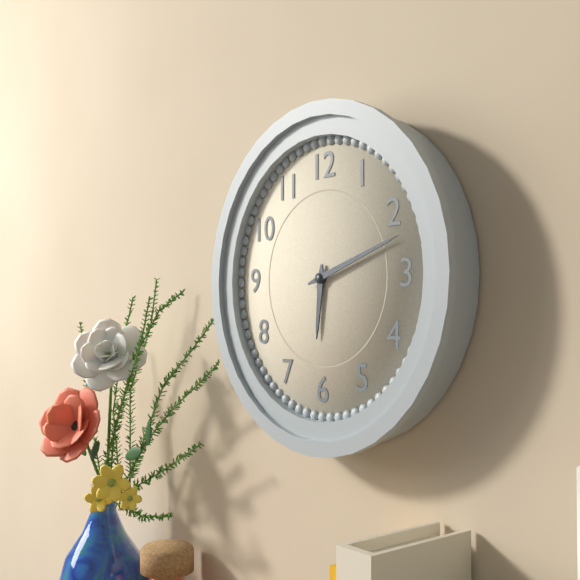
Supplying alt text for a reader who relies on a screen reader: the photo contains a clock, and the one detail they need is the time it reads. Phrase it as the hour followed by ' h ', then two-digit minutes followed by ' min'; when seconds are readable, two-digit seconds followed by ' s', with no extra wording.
6 h 12 min
